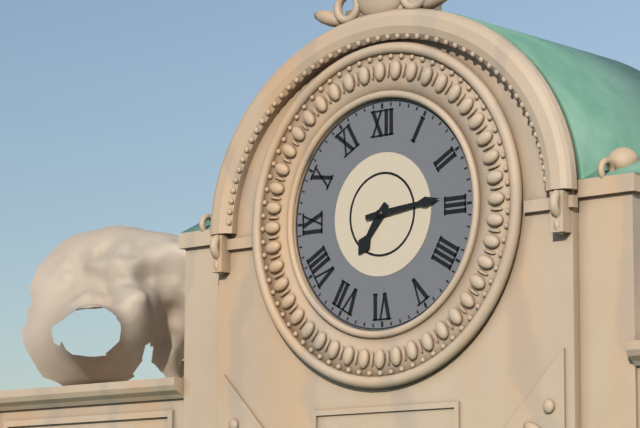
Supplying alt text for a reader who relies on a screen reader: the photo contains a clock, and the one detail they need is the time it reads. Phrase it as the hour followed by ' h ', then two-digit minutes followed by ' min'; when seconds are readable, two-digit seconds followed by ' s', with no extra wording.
7 h 14 min
